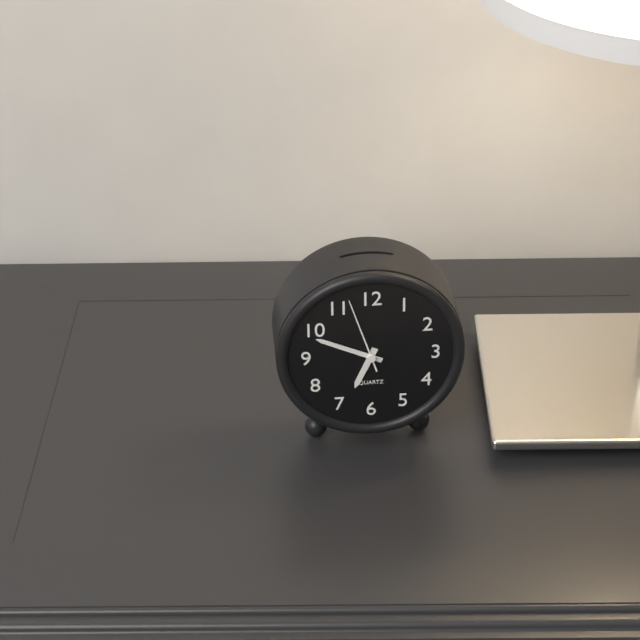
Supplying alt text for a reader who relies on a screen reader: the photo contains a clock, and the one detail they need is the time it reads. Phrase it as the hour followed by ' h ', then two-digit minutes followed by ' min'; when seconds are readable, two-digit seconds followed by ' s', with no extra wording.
6 h 49 min 57 s
